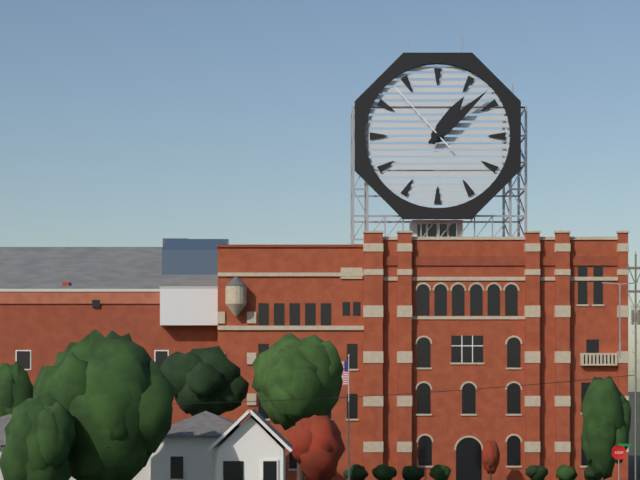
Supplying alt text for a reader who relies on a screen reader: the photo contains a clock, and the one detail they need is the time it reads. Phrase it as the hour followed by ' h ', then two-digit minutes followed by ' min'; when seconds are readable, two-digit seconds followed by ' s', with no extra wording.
1 h 08 min 53 s
